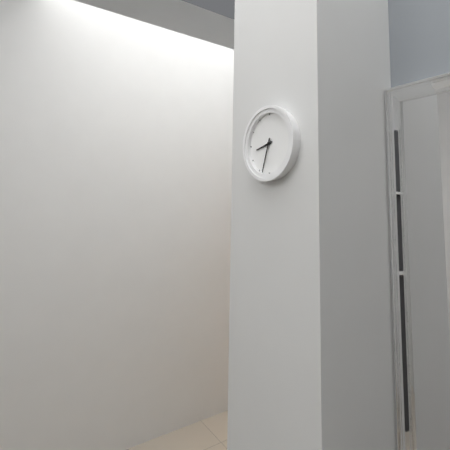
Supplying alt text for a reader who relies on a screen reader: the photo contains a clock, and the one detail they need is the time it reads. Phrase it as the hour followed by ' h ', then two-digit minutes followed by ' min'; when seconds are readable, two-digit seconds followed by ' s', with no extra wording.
8 h 33 min
